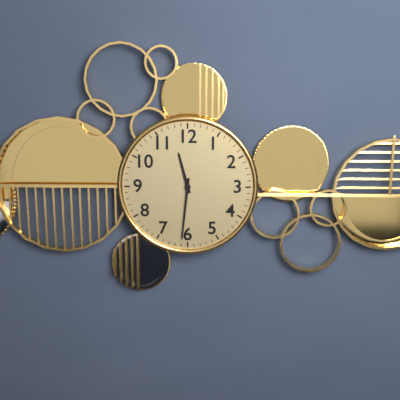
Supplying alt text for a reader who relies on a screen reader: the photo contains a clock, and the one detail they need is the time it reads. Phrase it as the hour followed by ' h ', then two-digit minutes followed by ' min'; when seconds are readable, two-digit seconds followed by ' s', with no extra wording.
11 h 31 min
